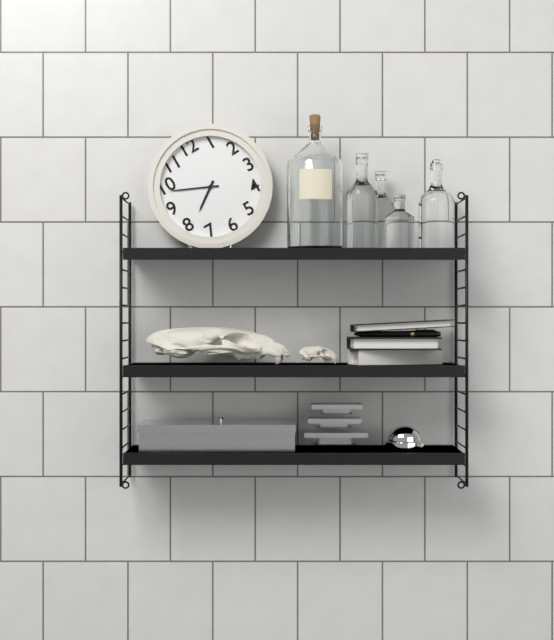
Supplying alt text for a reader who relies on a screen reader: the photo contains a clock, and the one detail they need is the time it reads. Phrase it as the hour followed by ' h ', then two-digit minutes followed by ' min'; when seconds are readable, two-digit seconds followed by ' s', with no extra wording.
7 h 49 min
